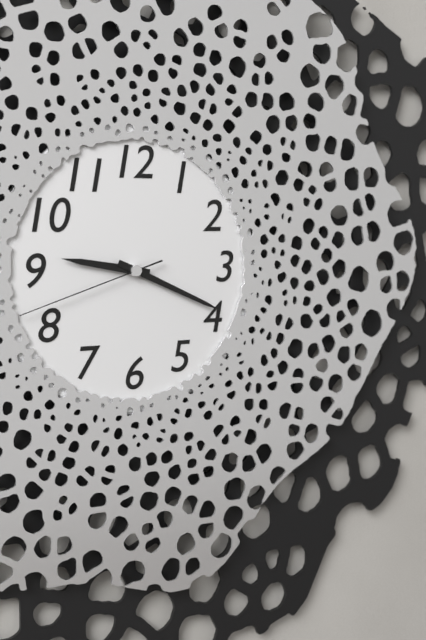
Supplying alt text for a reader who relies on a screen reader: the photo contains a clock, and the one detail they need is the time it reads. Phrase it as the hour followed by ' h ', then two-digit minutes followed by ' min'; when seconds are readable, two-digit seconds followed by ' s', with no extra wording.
9 h 19 min 42 s
